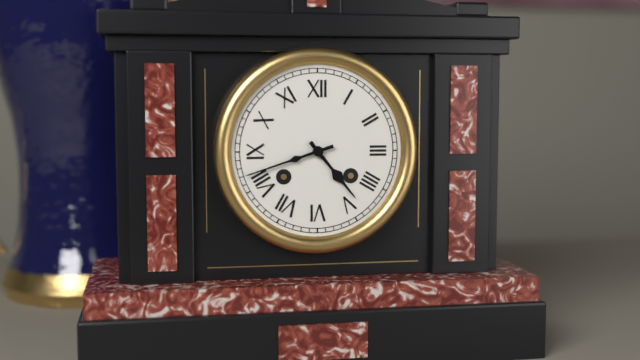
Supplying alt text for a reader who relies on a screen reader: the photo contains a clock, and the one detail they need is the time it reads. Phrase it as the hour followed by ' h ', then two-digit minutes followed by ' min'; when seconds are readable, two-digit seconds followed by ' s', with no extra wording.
4 h 42 min
